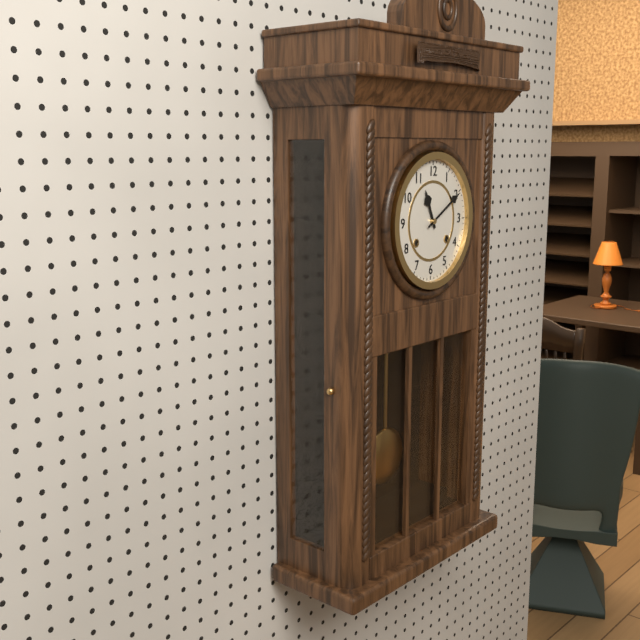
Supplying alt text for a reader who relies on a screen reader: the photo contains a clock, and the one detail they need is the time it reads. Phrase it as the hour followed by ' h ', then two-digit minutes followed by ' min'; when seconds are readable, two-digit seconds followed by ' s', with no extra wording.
11 h 10 min
